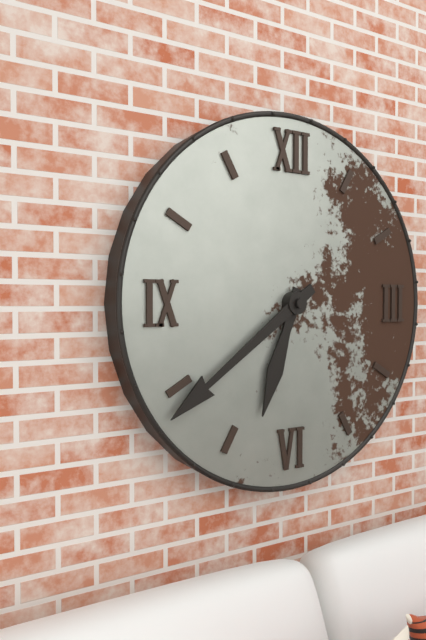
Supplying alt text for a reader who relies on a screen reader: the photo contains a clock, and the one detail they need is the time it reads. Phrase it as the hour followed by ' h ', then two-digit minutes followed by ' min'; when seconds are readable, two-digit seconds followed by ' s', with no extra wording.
6 h 39 min
